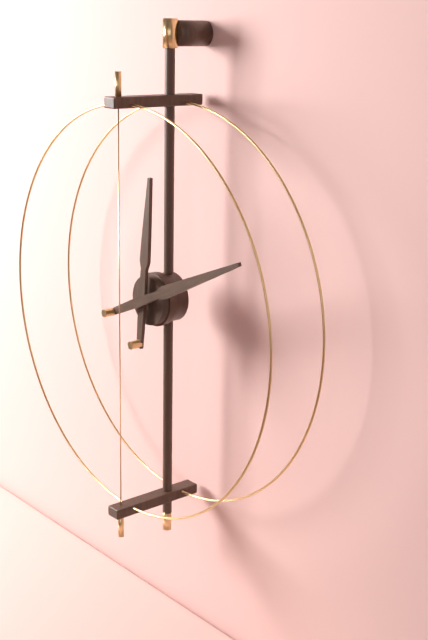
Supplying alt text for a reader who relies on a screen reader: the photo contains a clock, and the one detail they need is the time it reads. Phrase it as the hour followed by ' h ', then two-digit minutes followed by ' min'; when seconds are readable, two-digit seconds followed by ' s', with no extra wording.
12 h 11 min
